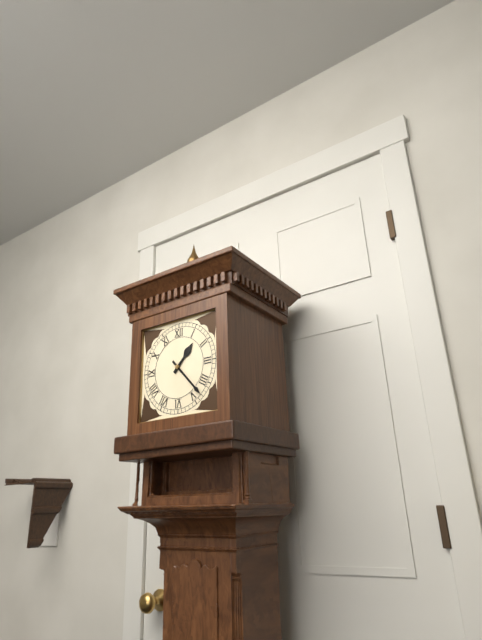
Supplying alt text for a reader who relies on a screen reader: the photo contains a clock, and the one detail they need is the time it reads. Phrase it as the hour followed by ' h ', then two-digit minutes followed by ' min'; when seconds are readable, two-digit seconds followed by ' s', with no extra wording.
1 h 23 min
